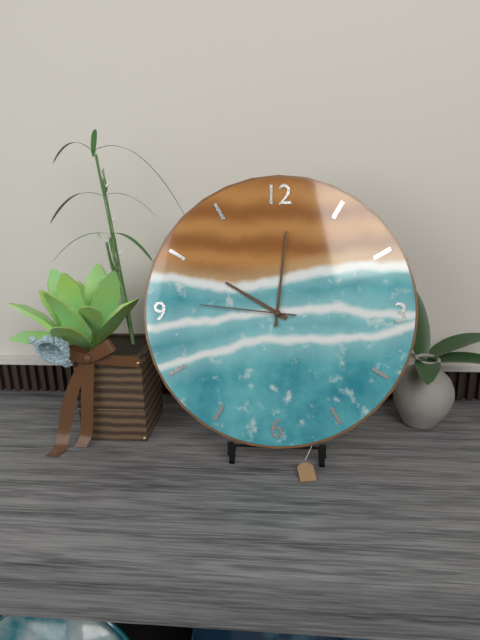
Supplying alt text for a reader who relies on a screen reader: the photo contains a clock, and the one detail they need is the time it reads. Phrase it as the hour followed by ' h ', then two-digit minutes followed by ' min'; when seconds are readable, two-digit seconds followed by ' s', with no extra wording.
10 h 01 min 46 s
